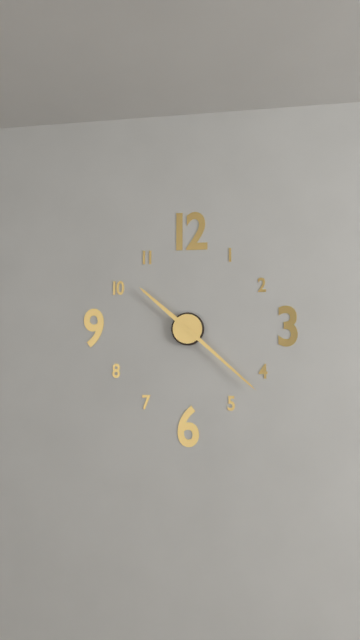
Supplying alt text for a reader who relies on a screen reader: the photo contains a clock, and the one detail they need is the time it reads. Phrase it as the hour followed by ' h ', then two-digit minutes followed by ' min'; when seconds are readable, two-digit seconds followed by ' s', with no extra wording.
10 h 22 min
